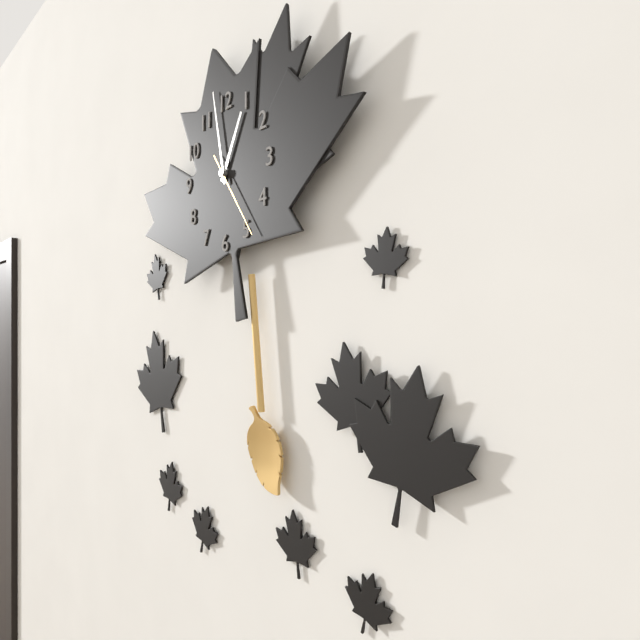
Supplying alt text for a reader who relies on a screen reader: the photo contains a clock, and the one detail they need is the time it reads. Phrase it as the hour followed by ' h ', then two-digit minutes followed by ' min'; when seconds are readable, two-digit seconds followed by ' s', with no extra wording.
12 h 58 min 24 s
